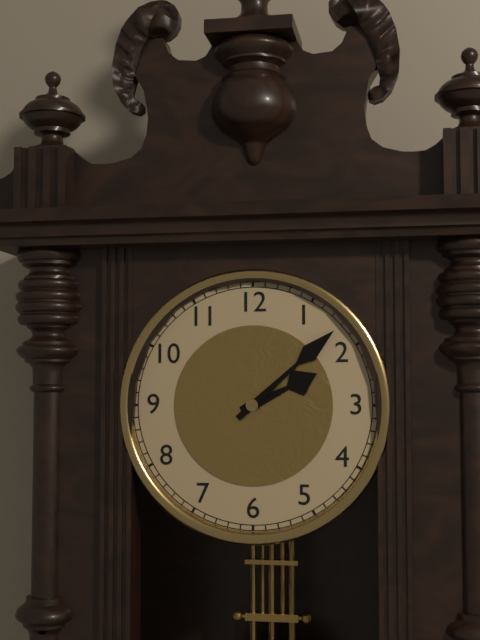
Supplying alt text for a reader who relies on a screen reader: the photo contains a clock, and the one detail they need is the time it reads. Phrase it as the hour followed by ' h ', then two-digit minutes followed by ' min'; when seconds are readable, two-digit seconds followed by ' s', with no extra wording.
2 h 08 min
